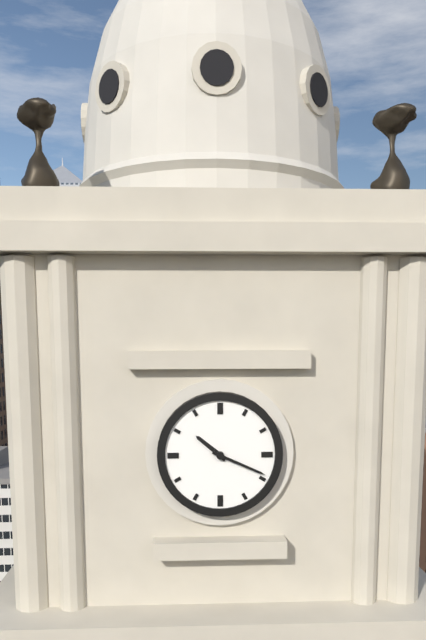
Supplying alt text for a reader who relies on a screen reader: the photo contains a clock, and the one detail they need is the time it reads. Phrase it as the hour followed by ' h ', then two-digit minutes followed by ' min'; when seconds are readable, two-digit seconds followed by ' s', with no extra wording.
10 h 19 min
